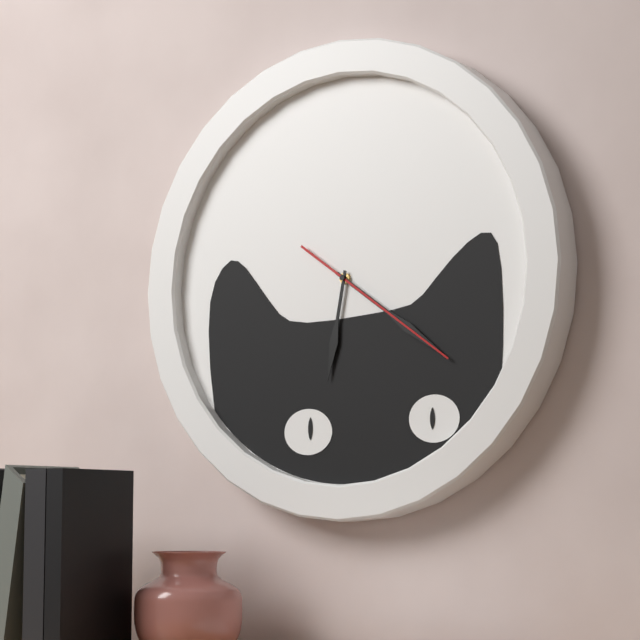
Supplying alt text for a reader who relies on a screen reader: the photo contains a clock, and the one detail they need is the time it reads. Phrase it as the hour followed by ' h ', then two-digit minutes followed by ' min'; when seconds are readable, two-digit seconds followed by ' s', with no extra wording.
6 h 21 min 21 s
